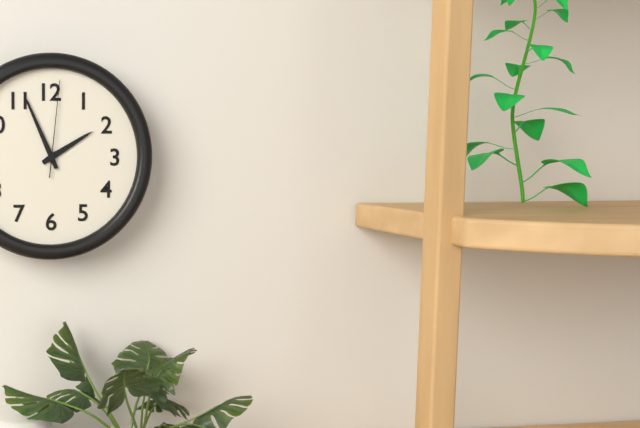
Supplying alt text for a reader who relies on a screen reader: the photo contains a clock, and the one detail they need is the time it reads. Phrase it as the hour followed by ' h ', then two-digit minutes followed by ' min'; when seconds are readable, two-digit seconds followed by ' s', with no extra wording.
1 h 56 min 01 s
